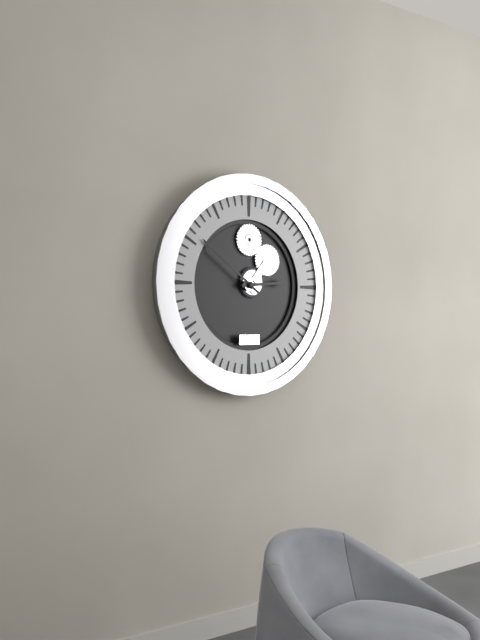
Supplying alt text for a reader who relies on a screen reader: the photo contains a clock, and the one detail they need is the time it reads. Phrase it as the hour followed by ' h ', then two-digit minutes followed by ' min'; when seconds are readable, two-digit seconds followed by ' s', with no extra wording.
2 h 51 min
